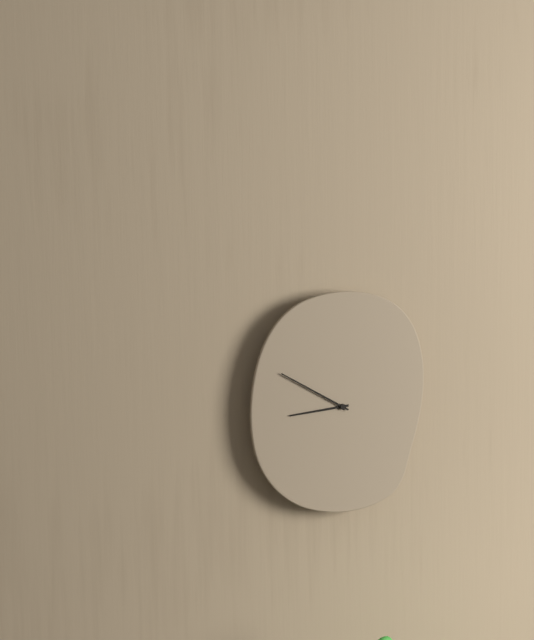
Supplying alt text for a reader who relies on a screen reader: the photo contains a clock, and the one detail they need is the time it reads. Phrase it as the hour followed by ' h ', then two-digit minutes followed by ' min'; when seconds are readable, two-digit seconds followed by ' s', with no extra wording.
8 h 50 min
